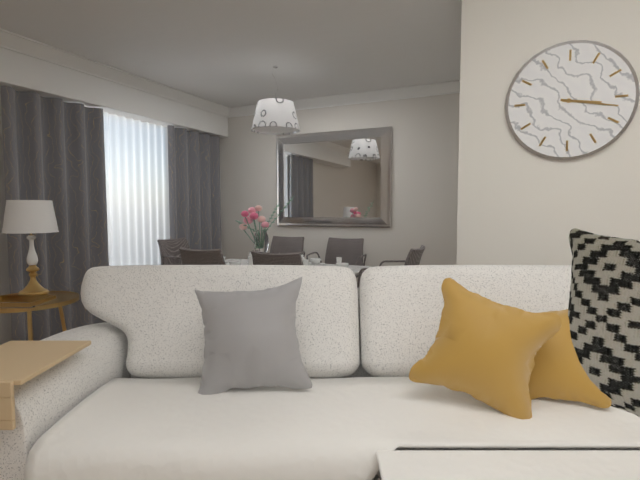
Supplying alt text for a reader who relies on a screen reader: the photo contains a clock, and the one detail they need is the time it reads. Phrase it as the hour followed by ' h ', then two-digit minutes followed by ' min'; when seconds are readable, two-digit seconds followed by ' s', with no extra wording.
3 h 17 min
